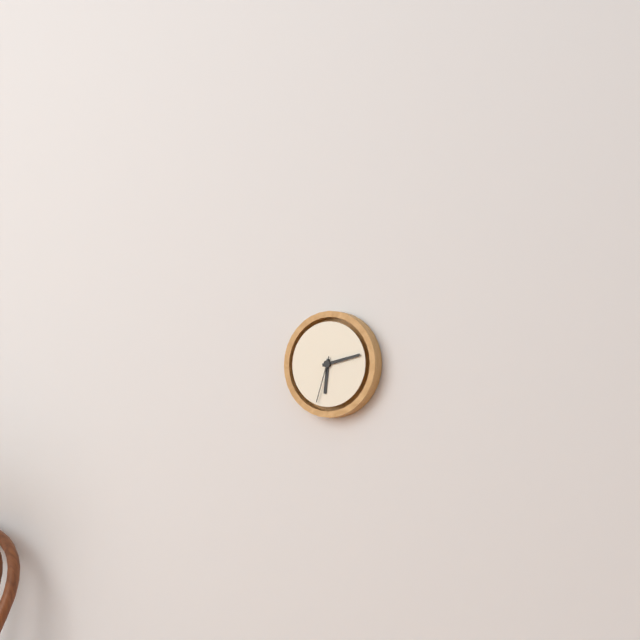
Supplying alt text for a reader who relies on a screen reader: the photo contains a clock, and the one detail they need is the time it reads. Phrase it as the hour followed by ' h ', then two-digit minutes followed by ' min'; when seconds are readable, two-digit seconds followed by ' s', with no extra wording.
6 h 13 min
